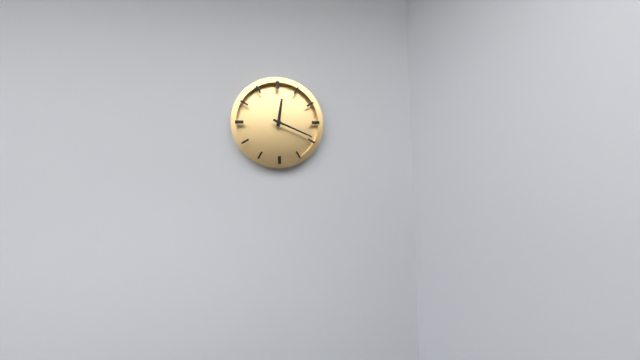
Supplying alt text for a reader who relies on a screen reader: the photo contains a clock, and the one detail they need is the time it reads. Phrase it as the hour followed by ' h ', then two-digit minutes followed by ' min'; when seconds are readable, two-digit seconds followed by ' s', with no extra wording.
12 h 19 min
